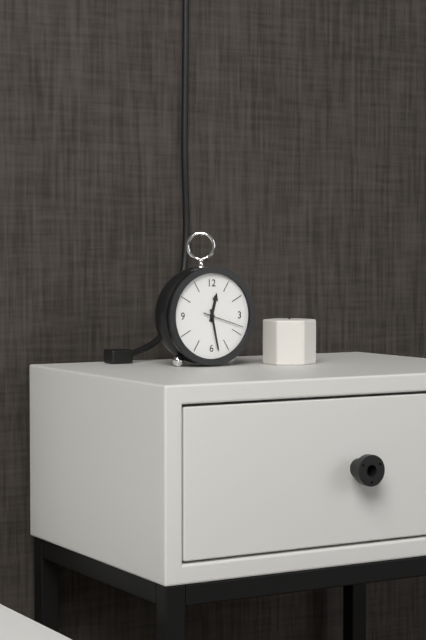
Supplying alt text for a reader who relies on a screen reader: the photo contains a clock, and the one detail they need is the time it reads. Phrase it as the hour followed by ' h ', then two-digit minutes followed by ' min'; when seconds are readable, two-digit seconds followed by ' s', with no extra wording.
12 h 28 min
